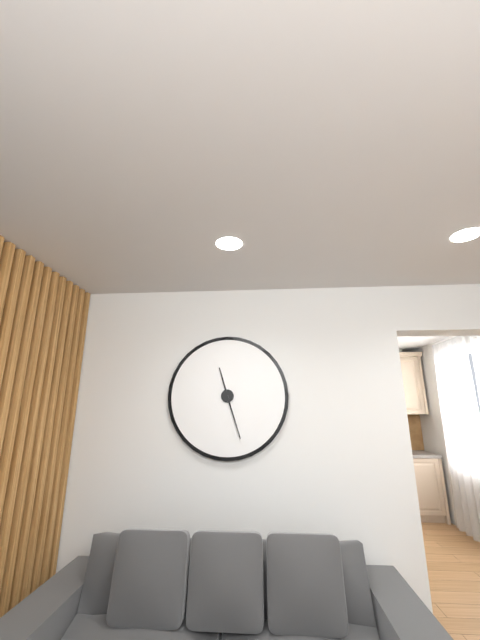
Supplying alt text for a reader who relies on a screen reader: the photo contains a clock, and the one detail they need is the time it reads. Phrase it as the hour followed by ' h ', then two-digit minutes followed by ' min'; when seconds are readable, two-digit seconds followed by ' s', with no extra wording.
11 h 27 min
